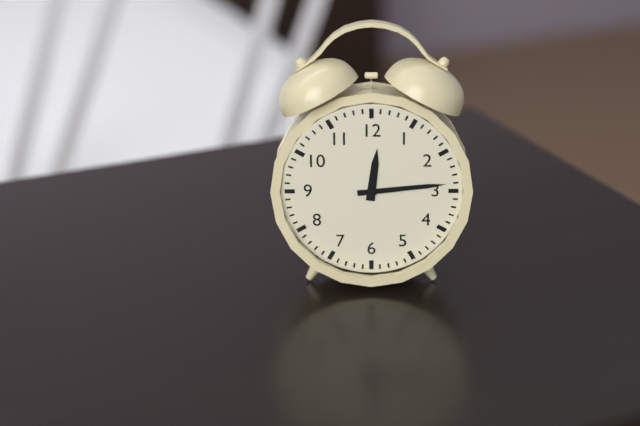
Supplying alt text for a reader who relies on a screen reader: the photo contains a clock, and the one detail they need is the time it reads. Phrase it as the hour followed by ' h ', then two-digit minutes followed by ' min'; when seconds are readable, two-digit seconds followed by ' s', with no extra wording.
12 h 14 min
